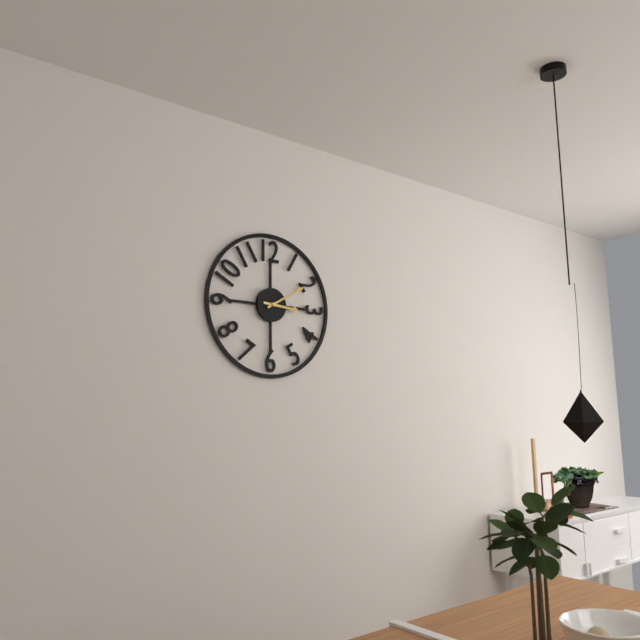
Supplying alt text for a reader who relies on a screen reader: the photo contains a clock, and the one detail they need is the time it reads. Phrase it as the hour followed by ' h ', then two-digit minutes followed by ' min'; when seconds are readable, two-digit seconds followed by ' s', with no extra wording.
3 h 10 min
